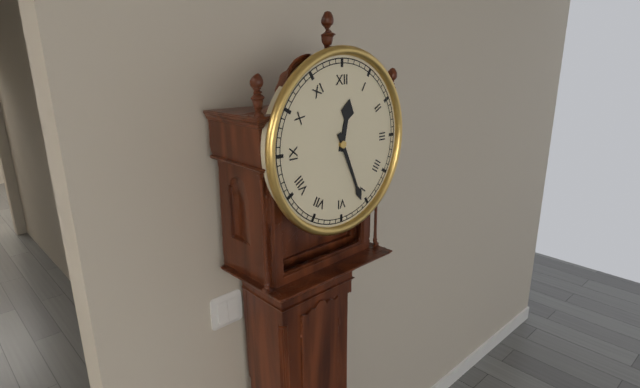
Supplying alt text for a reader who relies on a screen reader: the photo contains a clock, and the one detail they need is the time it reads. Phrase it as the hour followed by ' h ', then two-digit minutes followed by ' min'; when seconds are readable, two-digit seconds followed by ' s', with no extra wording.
12 h 26 min
